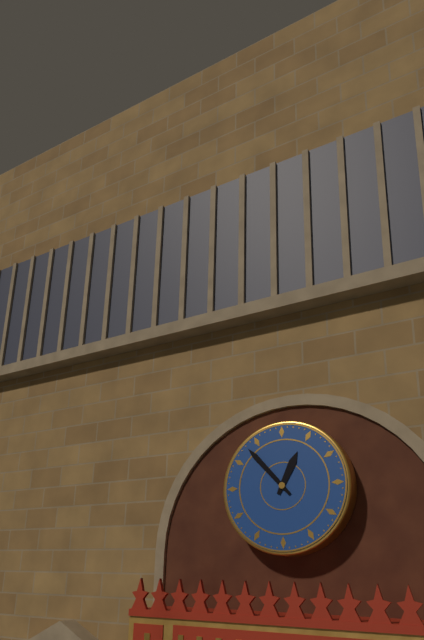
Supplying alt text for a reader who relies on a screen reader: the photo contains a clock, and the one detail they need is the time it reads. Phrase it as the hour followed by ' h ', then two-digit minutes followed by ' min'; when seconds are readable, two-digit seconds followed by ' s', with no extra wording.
12 h 53 min
